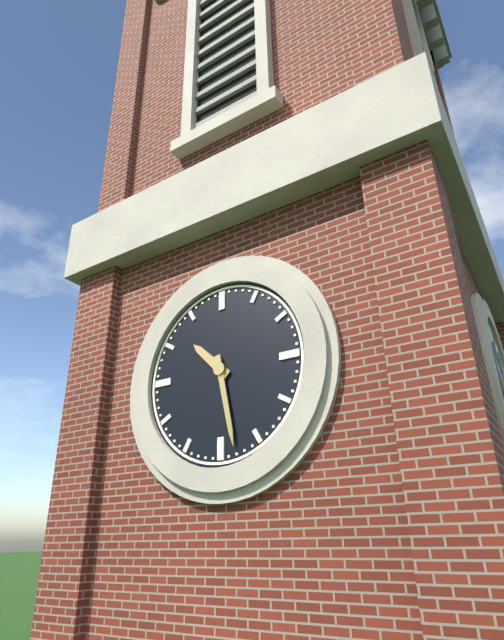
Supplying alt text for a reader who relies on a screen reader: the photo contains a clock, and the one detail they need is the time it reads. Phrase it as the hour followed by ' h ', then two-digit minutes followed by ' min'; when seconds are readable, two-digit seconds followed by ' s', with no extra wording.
10 h 28 min
